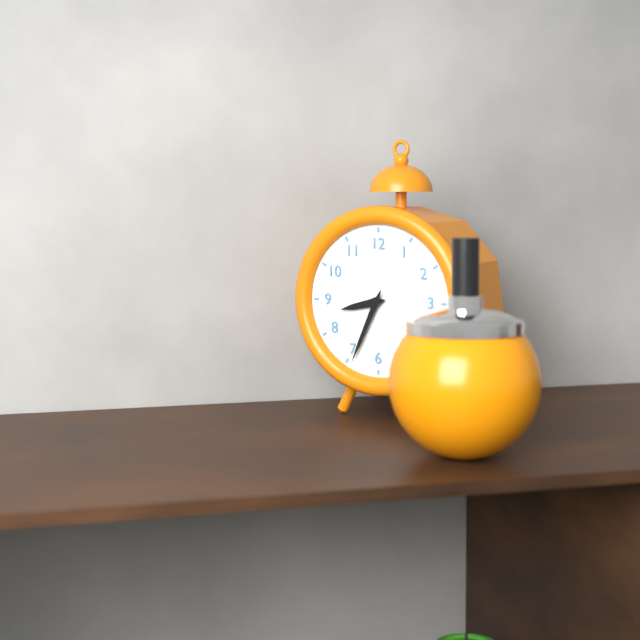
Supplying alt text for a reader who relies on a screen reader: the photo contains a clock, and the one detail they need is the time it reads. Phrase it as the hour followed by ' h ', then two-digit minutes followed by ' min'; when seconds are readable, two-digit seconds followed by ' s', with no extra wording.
8 h 34 min
